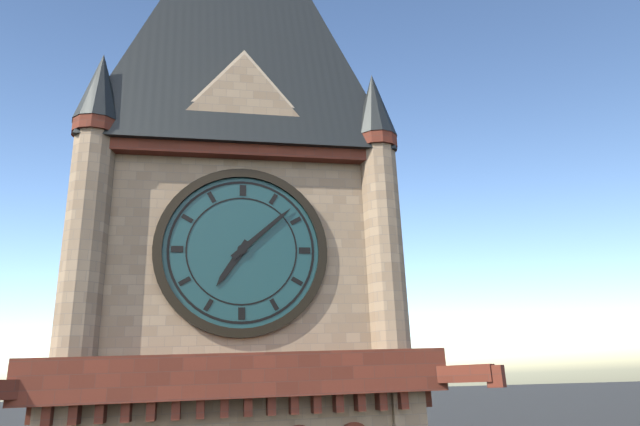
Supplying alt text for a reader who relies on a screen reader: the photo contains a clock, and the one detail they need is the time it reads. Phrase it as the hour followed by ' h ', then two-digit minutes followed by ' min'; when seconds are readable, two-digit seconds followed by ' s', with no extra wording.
7 h 08 min
